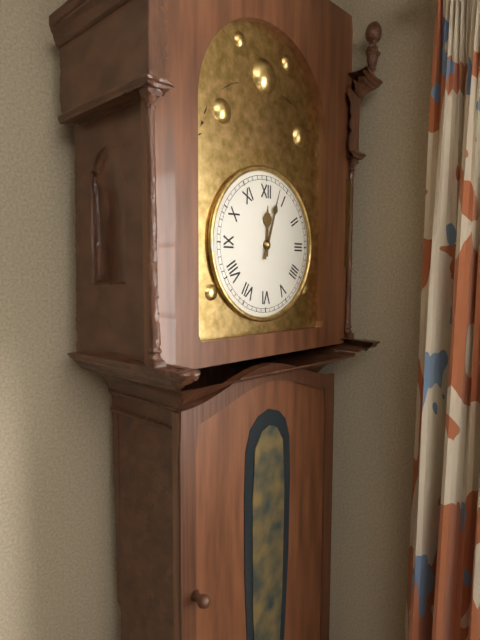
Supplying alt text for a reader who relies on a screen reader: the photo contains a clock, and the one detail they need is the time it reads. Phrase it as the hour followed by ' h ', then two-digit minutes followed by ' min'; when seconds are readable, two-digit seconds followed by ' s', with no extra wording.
12 h 03 min
